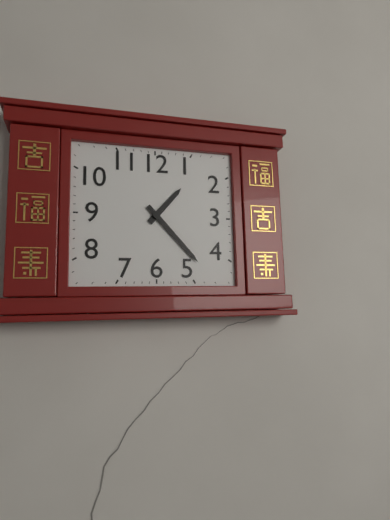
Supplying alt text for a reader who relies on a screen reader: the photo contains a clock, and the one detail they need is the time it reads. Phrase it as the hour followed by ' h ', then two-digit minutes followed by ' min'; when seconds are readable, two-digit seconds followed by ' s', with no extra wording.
1 h 23 min
